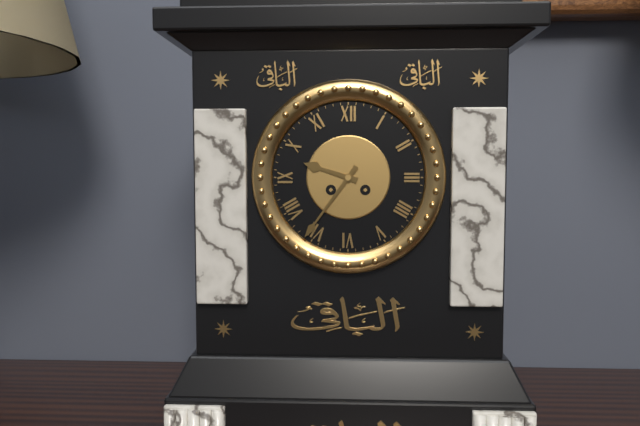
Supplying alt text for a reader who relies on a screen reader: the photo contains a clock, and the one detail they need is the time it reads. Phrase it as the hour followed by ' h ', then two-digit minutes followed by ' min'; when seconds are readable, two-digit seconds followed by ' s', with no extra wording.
9 h 36 min
